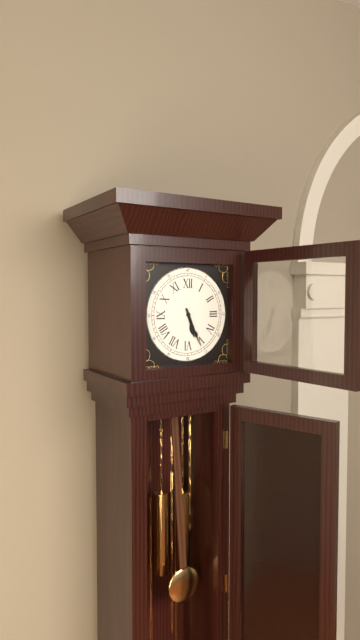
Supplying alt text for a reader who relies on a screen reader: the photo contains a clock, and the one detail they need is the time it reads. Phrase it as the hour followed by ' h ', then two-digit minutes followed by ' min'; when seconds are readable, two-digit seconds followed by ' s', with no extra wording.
5 h 26 min
